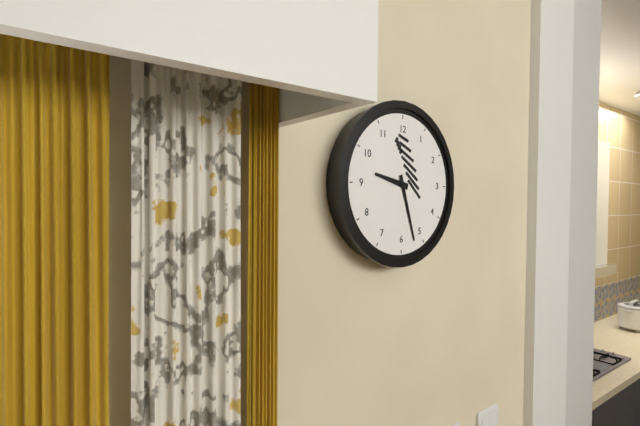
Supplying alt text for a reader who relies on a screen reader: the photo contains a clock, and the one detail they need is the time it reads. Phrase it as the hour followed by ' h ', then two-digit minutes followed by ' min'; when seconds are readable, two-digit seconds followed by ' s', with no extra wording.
9 h 27 min
